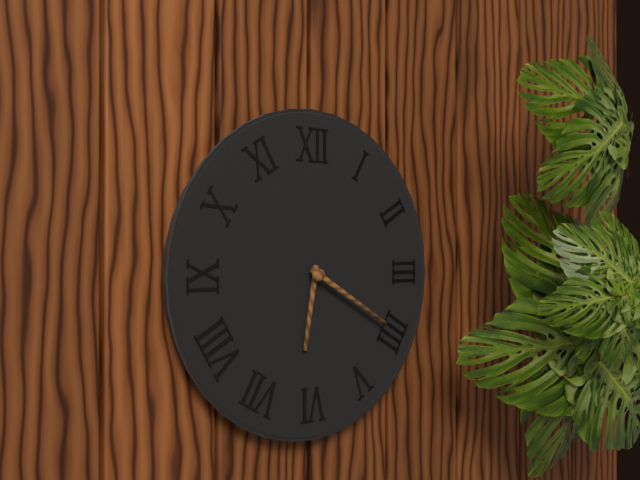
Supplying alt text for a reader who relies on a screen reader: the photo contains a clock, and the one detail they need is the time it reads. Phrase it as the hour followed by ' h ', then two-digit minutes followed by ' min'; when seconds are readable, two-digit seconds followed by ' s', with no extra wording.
6 h 20 min
